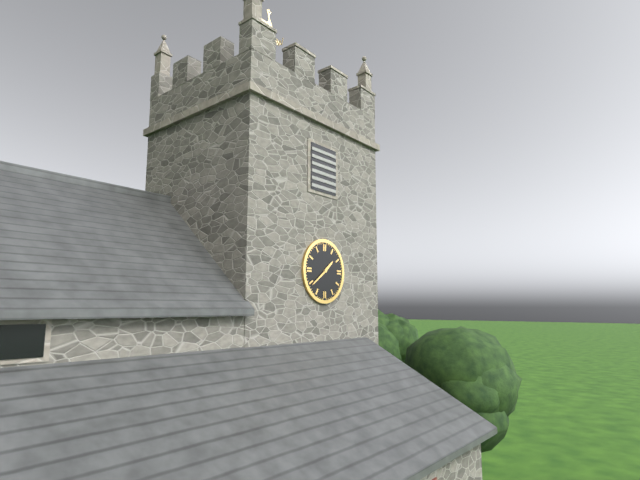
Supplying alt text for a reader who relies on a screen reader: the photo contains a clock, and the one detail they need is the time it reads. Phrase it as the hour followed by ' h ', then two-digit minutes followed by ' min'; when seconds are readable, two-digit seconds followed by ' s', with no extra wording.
1 h 39 min
